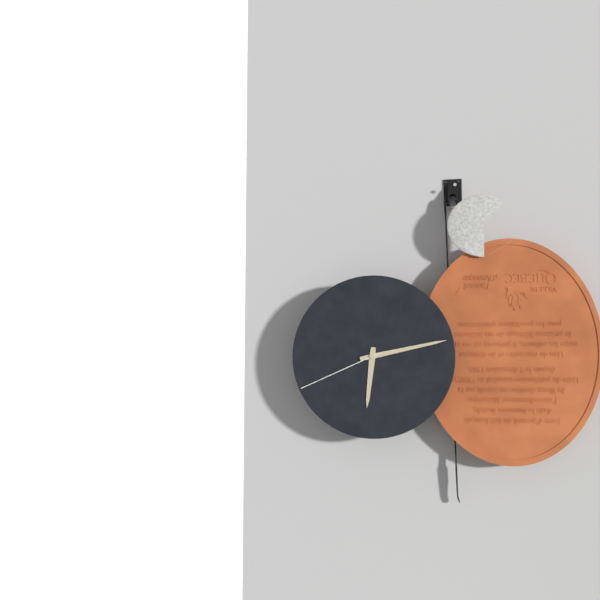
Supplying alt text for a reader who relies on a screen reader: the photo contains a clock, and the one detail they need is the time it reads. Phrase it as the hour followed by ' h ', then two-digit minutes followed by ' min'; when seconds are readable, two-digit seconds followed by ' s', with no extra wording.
6 h 13 min 41 s
